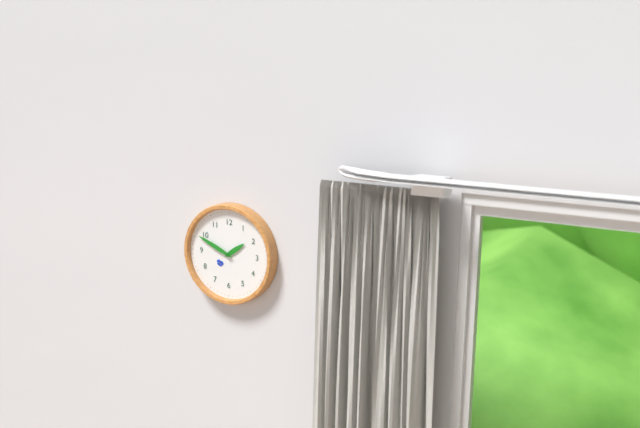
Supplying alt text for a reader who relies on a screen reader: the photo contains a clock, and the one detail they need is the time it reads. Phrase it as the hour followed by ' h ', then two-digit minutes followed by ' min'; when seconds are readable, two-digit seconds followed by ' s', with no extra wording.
1 h 49 min
